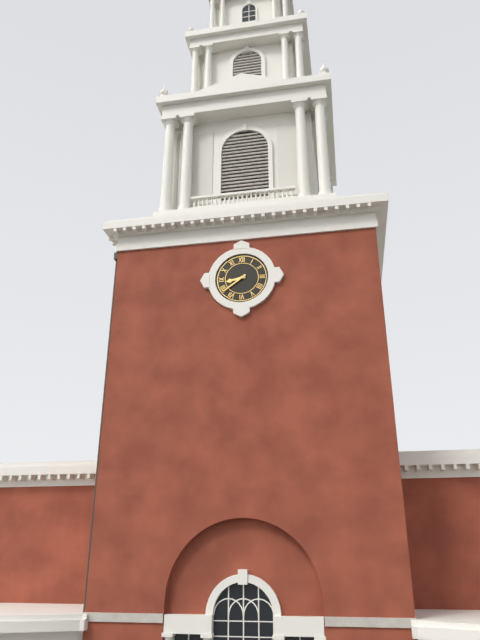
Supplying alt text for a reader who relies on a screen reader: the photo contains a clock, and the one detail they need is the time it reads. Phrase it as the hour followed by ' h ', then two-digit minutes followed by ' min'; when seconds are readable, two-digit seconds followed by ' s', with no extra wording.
8 h 39 min
